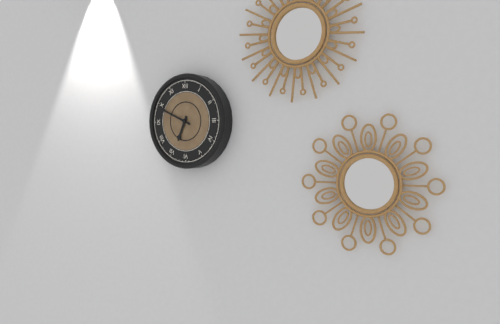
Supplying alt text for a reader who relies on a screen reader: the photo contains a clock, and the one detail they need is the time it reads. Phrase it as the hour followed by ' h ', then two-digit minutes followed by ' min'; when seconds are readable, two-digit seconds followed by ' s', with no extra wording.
6 h 49 min
